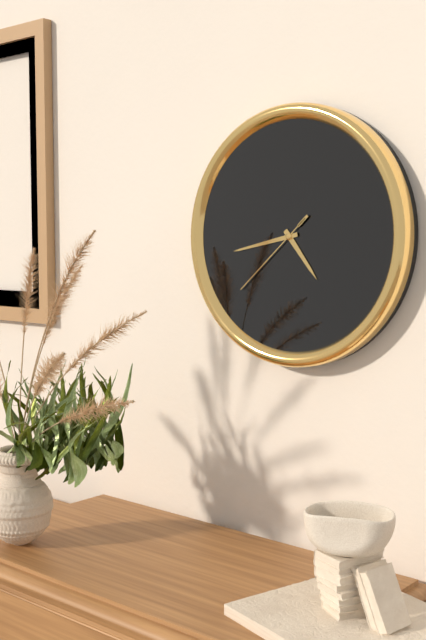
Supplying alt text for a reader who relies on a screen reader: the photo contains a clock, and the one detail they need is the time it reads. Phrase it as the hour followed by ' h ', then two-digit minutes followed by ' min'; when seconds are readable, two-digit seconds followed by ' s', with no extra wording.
4 h 43 min 38 s
